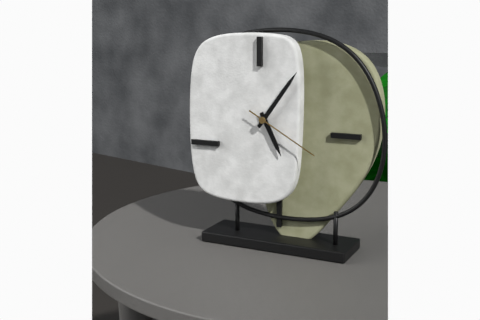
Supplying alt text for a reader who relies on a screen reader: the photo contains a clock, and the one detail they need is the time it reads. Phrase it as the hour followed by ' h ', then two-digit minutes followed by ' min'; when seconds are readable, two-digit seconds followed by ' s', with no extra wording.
5 h 06 min 20 s
